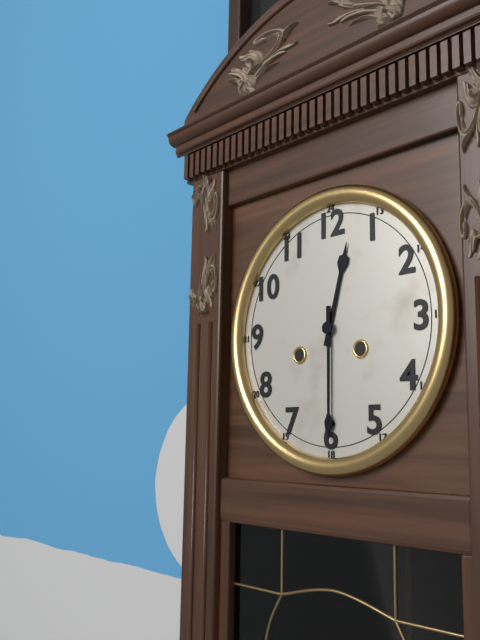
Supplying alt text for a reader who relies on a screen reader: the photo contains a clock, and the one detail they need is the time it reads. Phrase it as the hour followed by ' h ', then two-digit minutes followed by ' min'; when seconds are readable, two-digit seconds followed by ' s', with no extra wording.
12 h 30 min
